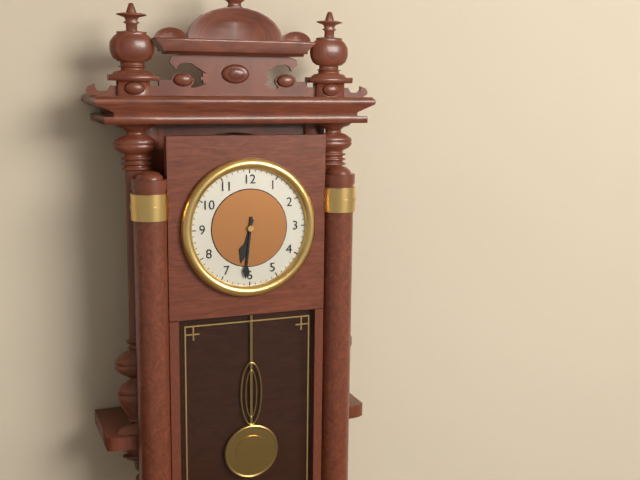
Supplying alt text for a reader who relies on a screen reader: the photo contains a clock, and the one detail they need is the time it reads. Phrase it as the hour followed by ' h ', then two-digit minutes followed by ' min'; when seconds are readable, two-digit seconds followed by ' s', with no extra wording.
6 h 31 min
